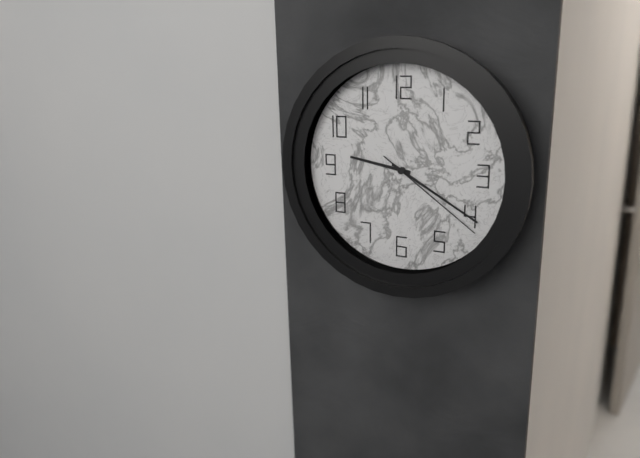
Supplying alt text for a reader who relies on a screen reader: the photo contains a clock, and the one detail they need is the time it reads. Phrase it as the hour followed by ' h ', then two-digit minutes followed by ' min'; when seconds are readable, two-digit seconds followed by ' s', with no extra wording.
9 h 20 min 21 s
